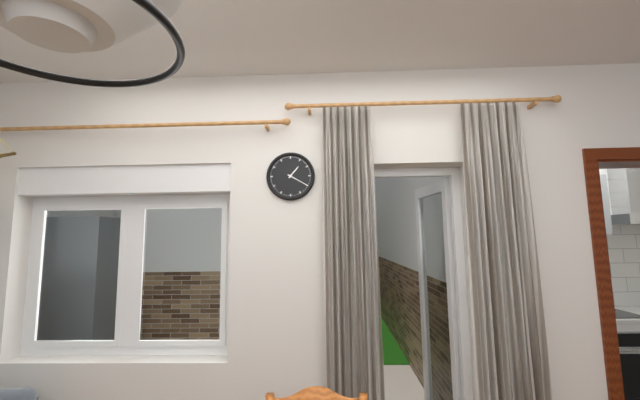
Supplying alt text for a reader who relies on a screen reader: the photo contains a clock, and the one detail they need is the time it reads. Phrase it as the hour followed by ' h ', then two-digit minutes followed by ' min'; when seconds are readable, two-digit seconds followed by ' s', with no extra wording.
1 h 20 min
